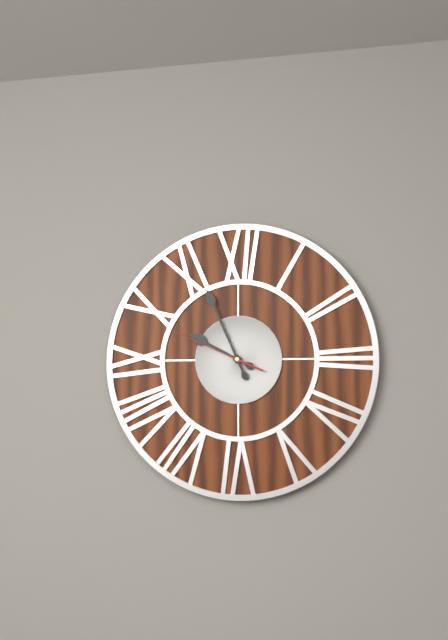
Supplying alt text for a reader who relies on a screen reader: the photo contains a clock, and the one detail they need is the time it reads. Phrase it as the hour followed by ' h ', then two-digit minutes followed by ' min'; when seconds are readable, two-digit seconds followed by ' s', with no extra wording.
9 h 56 min 49 s
